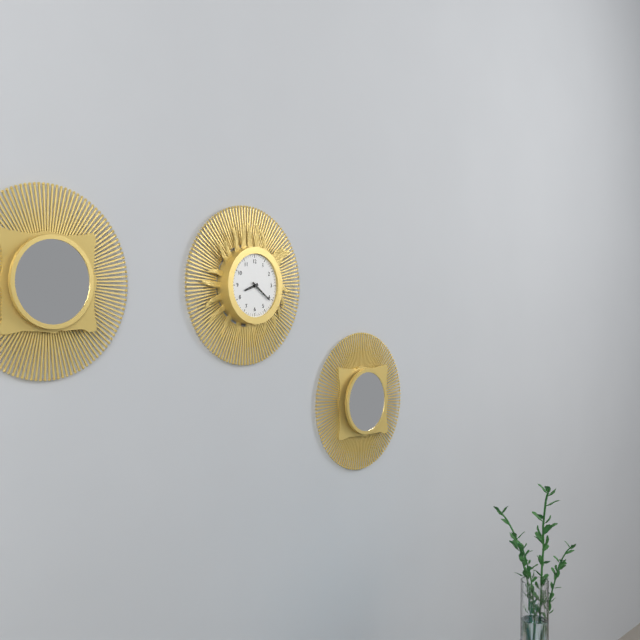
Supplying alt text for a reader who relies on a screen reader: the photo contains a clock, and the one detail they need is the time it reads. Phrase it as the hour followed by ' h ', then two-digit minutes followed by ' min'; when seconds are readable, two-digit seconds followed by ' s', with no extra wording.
8 h 21 min
